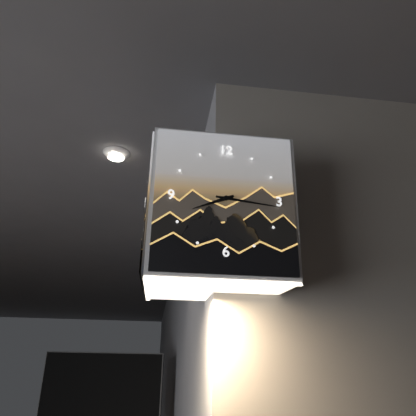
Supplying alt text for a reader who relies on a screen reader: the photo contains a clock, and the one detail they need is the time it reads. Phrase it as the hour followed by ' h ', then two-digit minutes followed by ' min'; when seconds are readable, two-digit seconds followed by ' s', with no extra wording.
8 h 16 min
